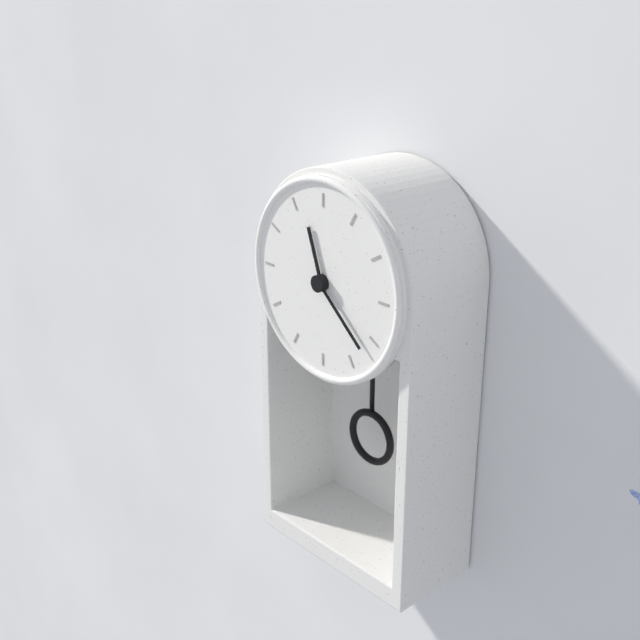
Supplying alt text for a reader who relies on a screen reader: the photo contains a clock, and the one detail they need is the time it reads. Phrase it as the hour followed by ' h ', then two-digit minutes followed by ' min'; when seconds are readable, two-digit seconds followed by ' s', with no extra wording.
11 h 22 min
